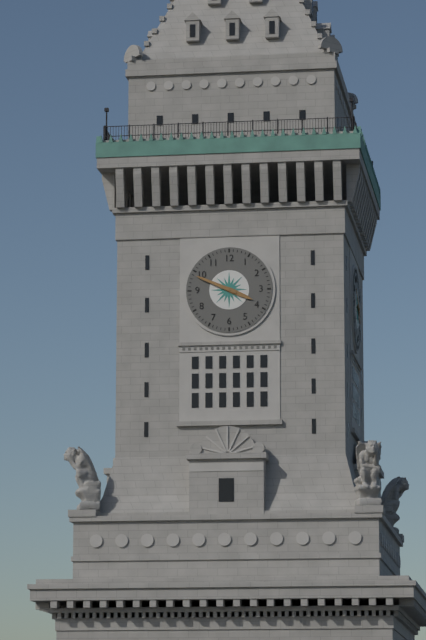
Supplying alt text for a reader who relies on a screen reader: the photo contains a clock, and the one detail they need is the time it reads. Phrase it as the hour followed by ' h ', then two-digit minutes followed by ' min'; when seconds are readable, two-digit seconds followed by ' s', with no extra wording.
3 h 49 min
